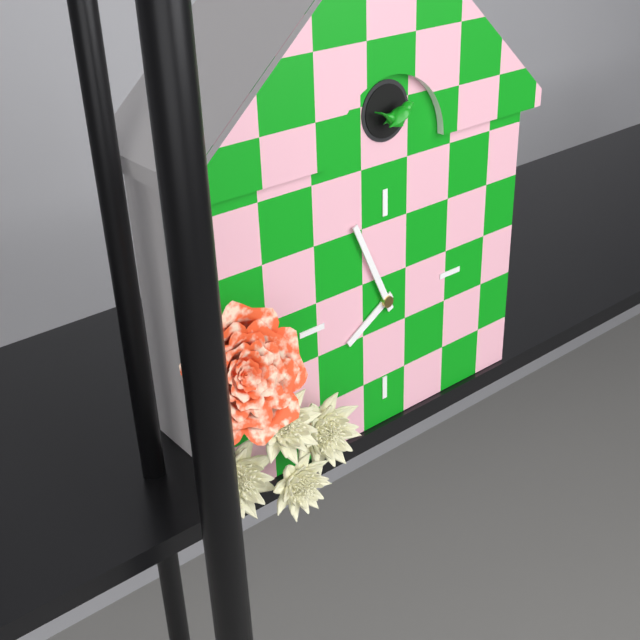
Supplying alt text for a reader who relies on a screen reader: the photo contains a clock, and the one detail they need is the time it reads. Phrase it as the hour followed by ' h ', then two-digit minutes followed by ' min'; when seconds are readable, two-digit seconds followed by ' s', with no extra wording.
7 h 56 min
